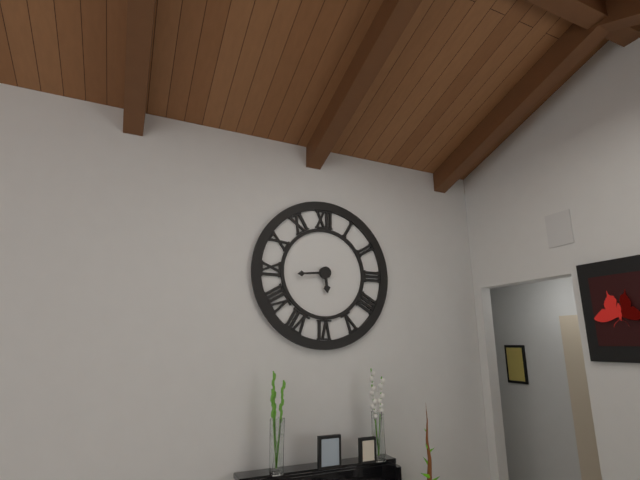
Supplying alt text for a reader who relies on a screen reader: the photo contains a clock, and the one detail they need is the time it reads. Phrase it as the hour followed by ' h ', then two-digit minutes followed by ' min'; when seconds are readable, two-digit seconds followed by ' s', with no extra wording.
5 h 44 min
